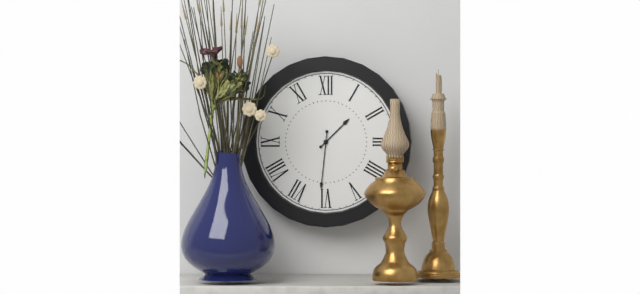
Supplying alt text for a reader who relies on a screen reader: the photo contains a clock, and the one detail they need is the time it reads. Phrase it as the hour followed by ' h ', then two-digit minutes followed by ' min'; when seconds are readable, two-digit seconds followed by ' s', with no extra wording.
1 h 31 min
